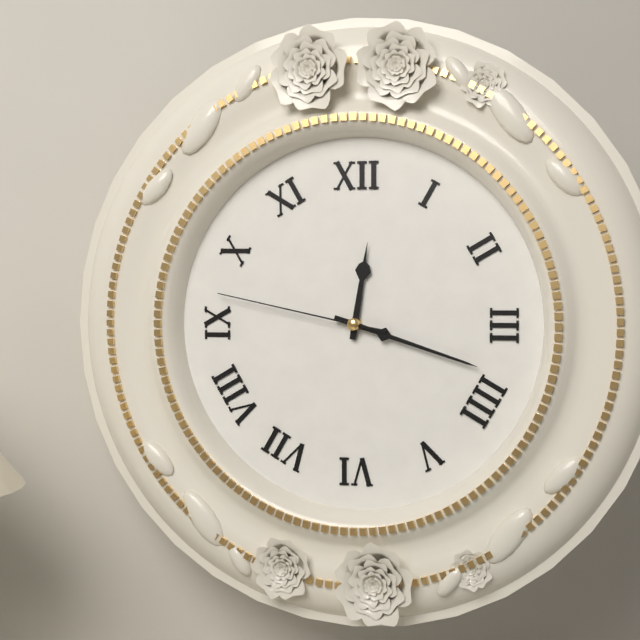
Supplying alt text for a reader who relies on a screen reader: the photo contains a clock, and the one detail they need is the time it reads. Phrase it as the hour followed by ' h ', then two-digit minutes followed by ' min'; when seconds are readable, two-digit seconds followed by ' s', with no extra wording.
12 h 18 min 47 s
